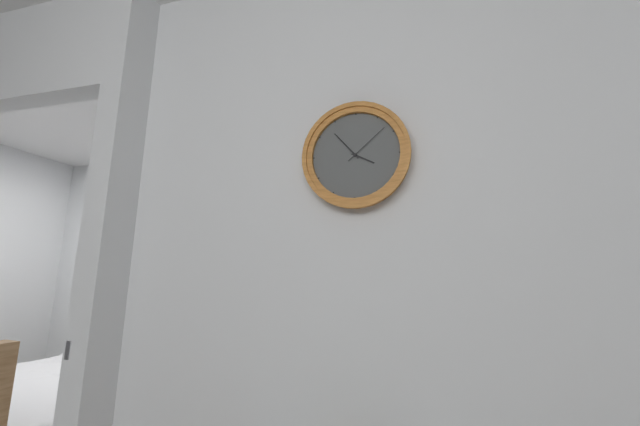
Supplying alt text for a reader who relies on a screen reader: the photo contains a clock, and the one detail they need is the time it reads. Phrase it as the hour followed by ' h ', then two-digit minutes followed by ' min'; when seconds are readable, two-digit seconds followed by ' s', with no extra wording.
3 h 53 min
